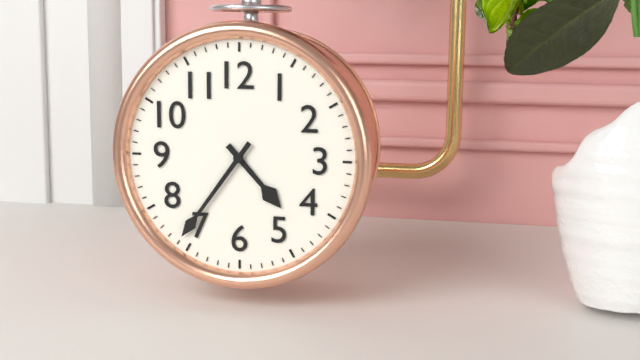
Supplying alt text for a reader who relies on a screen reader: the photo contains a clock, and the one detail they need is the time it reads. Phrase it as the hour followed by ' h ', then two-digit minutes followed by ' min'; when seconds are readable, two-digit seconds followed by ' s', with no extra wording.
4 h 36 min
